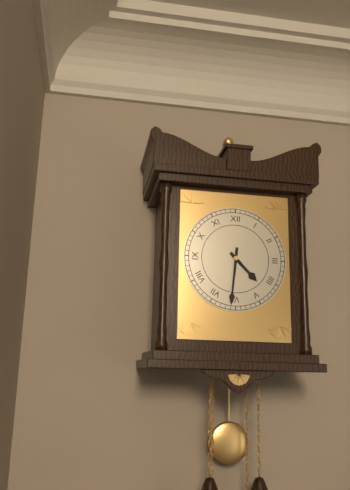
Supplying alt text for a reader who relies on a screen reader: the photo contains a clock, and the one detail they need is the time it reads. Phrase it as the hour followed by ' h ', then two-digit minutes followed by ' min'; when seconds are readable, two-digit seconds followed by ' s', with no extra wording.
4 h 31 min
